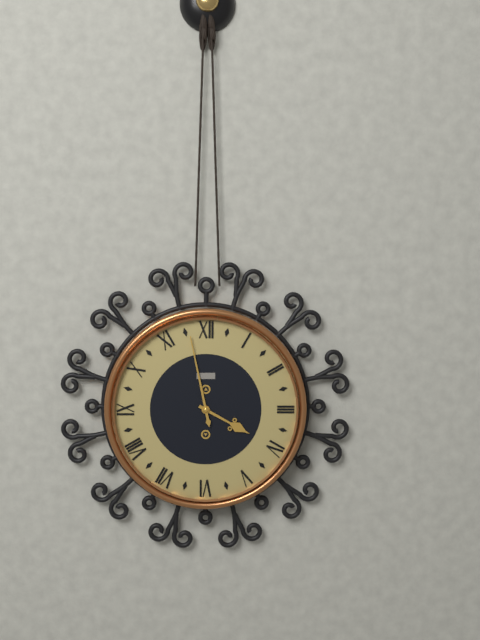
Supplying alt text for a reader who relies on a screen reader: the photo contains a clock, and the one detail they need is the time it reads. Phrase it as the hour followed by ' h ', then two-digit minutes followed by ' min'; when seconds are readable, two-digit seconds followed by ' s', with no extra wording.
3 h 58 min
